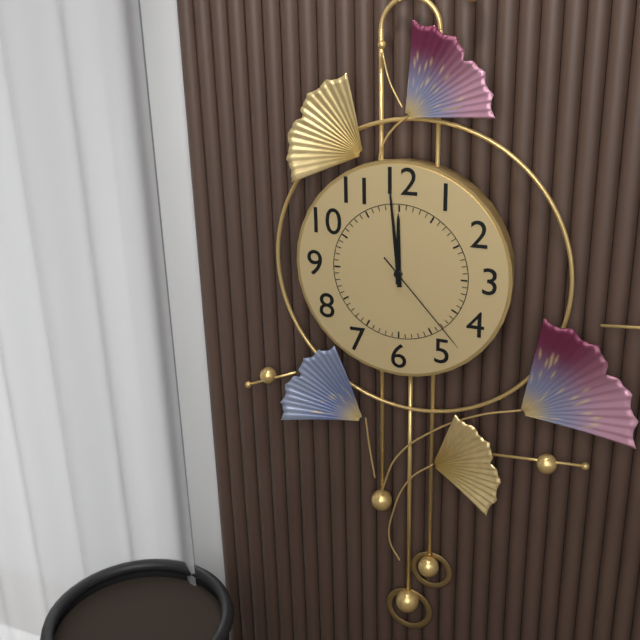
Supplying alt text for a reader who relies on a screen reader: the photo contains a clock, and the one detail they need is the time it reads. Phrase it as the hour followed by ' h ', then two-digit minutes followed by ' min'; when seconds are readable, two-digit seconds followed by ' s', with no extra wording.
11 h 59 min 23 s
